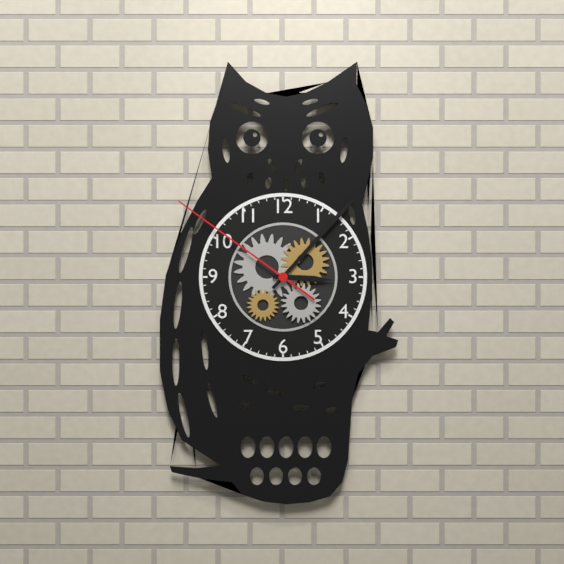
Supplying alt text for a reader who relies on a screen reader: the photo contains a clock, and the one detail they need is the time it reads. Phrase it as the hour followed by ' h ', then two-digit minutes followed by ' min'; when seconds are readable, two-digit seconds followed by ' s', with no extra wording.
3 h 07 min 51 s
